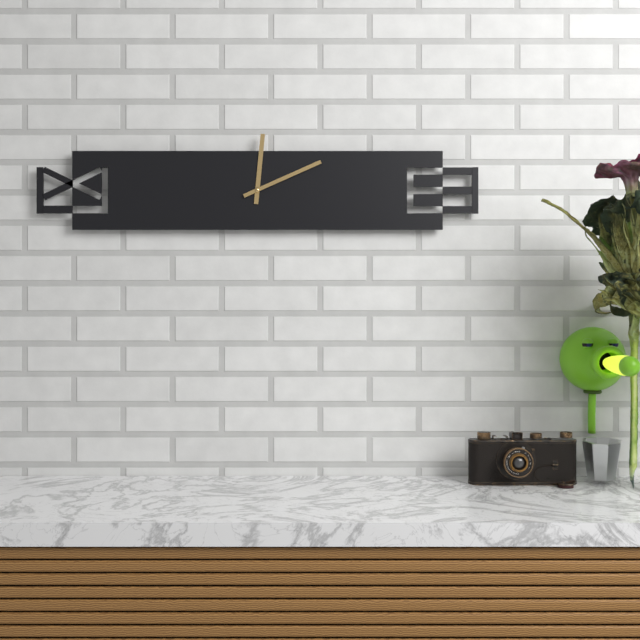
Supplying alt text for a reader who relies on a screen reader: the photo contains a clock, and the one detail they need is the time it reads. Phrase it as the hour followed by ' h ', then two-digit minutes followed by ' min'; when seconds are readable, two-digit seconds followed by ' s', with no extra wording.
12 h 11 min
